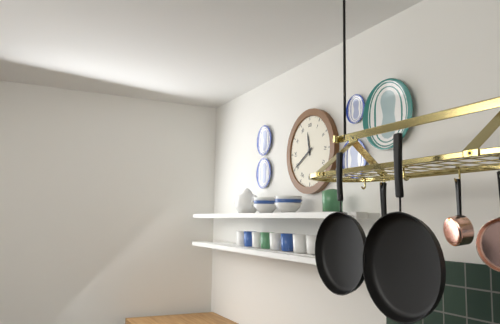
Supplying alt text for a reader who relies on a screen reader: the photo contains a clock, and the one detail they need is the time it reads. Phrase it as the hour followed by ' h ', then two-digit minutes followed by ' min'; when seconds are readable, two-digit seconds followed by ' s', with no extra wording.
11 h 40 min
